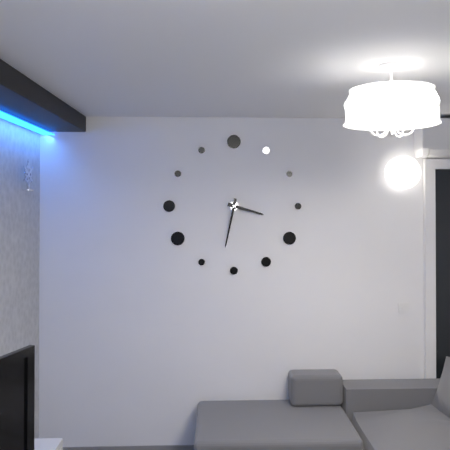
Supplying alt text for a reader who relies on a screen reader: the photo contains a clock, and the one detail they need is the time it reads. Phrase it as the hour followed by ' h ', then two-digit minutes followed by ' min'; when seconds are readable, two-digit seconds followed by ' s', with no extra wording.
3 h 32 min
